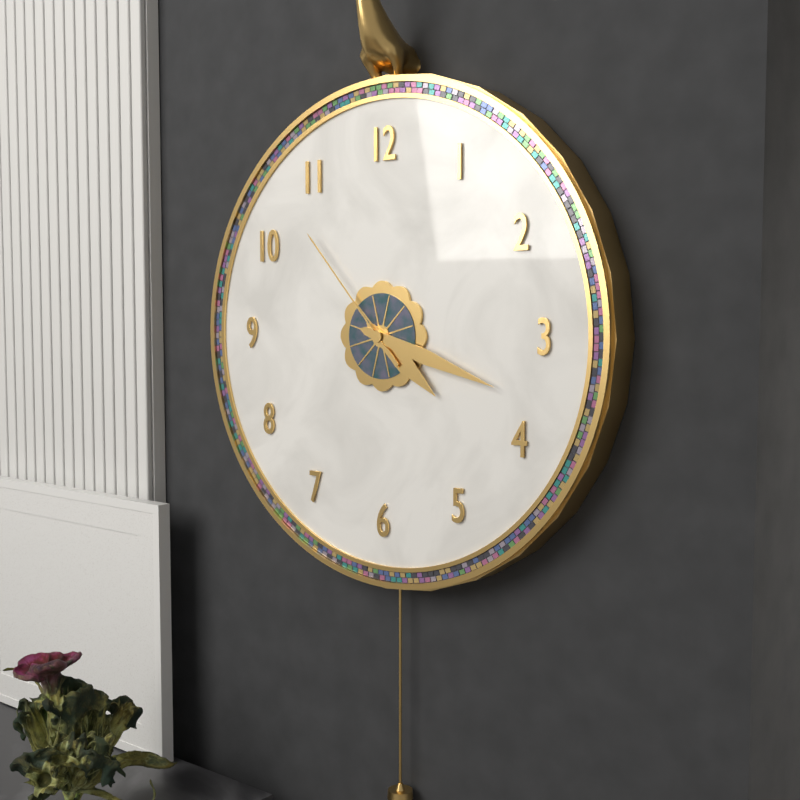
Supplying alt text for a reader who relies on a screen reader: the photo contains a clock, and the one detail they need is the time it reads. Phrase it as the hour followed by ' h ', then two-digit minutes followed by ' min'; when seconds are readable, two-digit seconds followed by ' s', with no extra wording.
4 h 18 min 53 s
